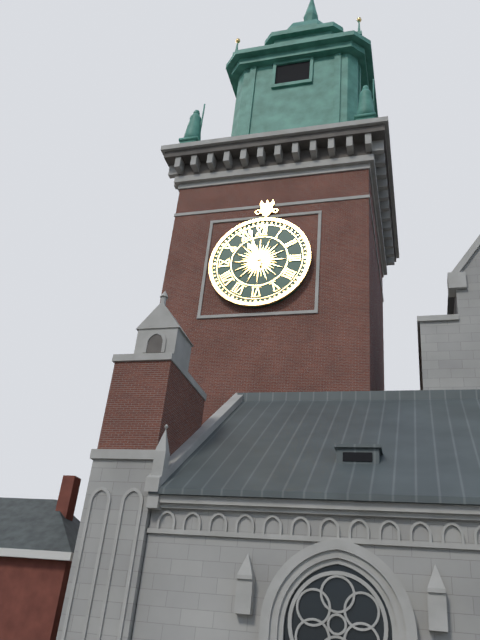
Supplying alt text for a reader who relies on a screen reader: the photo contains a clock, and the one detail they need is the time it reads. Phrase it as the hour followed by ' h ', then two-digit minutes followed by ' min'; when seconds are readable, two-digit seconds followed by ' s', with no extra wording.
10 h 57 min
